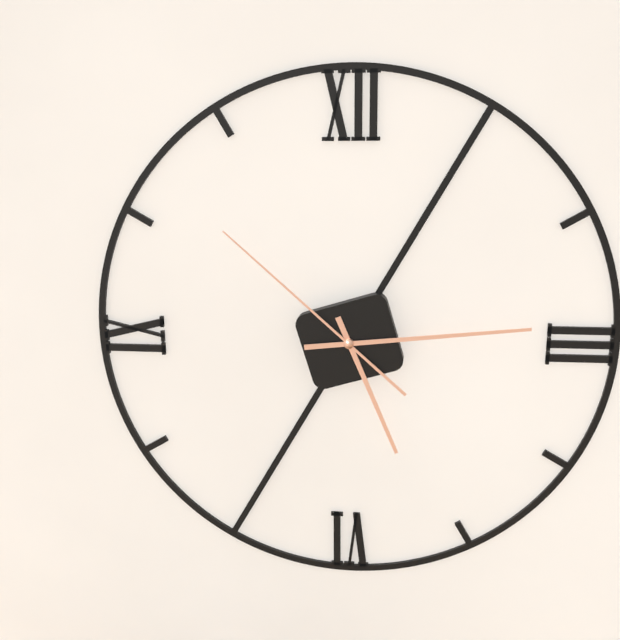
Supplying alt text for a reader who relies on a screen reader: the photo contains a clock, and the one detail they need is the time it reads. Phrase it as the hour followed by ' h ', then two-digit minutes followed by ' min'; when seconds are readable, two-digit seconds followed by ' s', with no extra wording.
5 h 14 min 52 s
